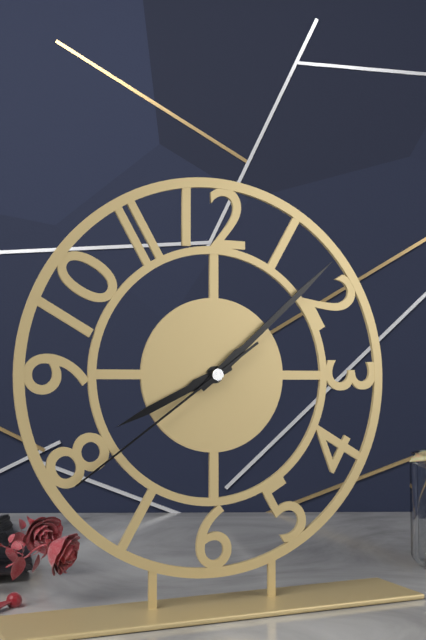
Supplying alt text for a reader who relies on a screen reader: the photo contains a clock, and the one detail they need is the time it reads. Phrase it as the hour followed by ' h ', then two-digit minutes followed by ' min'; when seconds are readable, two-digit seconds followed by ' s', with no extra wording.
8 h 08 min 39 s
